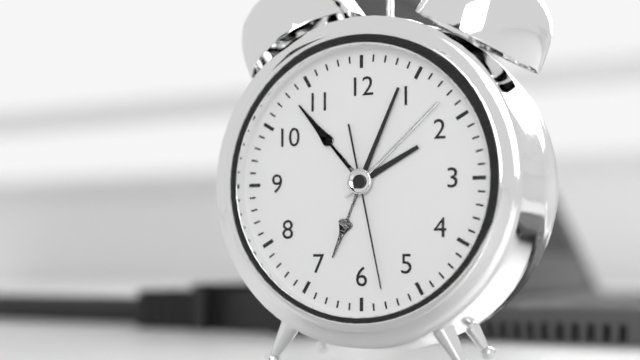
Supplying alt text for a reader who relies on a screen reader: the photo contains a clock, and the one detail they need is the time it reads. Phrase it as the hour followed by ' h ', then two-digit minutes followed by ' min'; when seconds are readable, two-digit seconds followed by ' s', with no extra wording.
2 h 04 min 28 s
